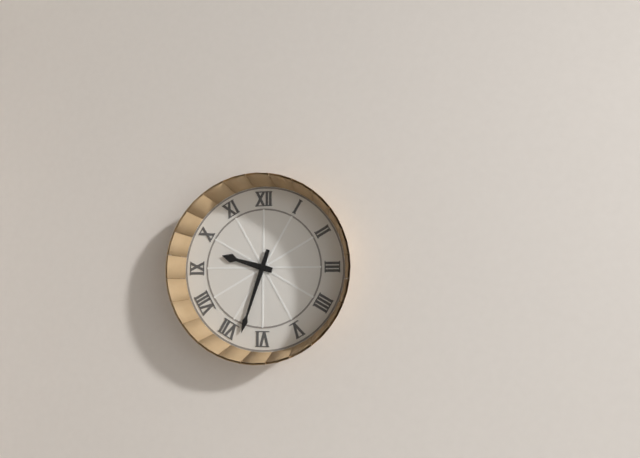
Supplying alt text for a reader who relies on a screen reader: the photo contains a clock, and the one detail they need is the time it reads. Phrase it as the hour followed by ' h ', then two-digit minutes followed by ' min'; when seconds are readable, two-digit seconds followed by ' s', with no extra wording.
9 h 33 min
